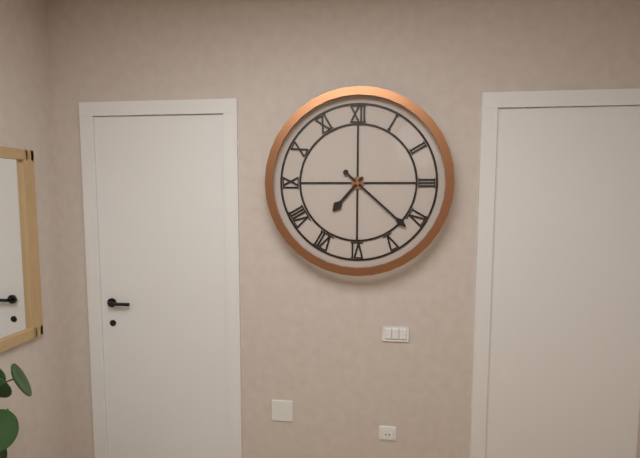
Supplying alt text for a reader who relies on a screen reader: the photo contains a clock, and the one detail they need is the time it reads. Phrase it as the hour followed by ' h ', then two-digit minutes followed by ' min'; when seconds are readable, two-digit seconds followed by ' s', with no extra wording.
7 h 22 min
